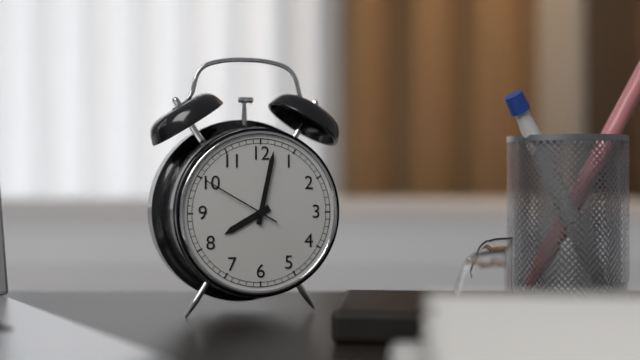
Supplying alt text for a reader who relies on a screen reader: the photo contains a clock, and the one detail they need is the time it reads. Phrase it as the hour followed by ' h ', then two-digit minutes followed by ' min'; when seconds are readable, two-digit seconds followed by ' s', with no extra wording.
8 h 02 min 50 s
